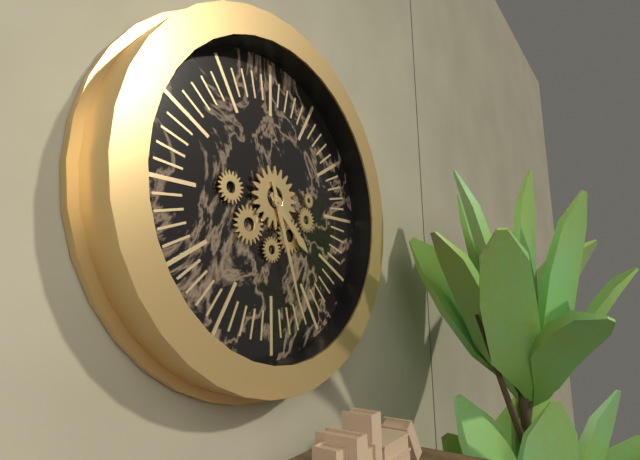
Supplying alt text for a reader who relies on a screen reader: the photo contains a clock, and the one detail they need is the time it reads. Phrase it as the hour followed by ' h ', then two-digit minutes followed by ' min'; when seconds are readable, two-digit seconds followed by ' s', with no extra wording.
4 h 27 min
